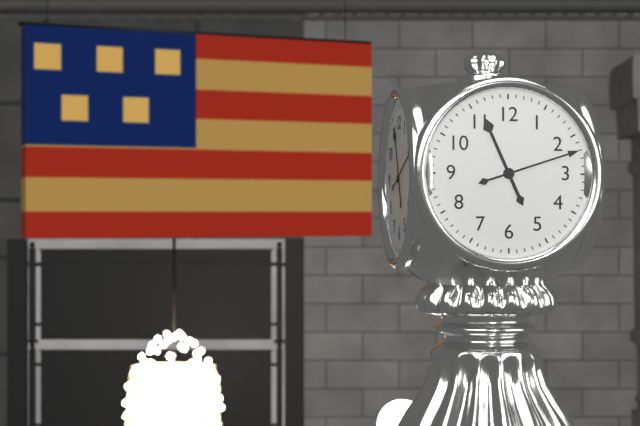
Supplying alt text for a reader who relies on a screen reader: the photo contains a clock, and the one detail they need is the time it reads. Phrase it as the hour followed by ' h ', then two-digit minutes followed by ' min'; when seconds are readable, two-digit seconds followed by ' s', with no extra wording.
11 h 12 min
